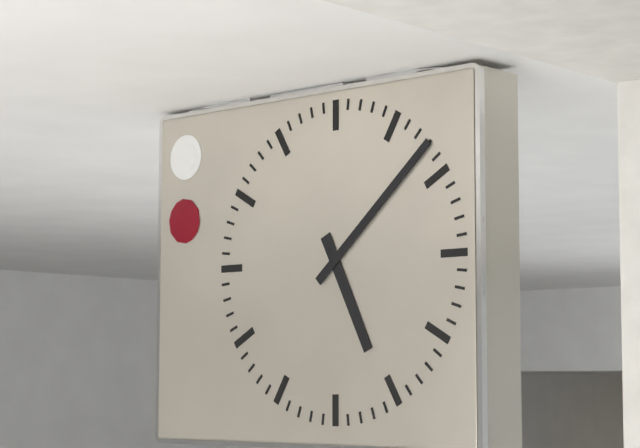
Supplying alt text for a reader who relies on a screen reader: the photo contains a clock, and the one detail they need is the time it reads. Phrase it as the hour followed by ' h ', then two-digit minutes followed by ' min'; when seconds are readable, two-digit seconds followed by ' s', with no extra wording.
5 h 08 min
